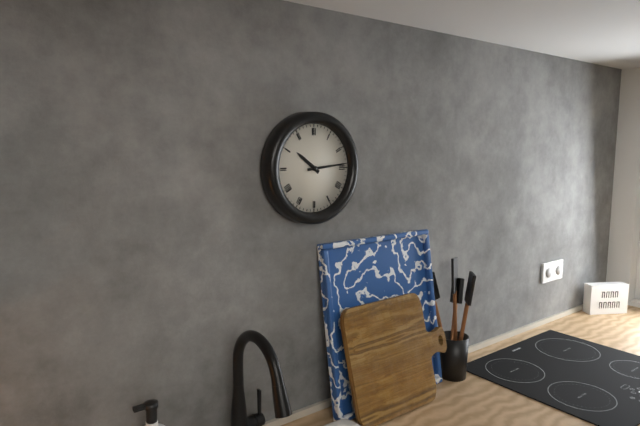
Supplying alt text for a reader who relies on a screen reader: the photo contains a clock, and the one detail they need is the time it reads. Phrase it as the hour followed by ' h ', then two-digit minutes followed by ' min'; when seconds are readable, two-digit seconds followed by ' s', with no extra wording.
10 h 14 min
